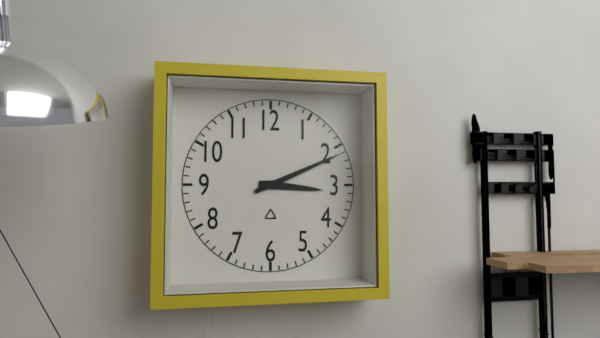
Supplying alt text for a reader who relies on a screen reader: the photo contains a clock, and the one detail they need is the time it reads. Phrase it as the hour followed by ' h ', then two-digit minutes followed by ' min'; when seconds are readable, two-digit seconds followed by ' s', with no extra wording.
3 h 11 min
